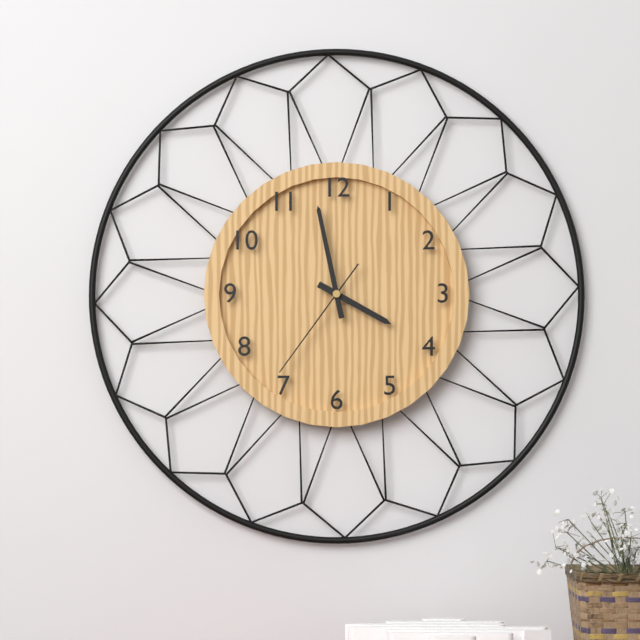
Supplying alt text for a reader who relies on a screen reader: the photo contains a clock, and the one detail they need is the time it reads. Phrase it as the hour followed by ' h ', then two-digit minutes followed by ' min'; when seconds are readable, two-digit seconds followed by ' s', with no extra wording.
3 h 58 min 36 s
